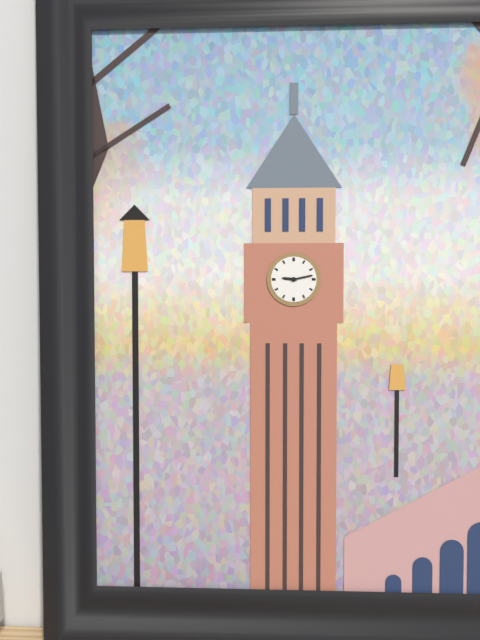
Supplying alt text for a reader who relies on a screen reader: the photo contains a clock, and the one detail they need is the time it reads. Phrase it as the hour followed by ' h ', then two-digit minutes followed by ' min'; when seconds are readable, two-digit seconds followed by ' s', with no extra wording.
9 h 13 min
